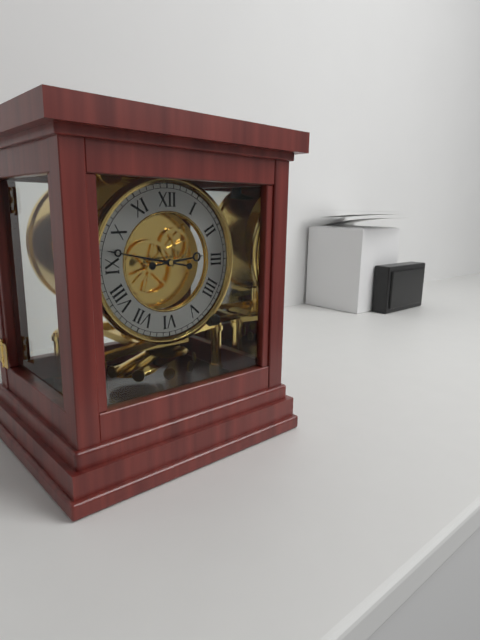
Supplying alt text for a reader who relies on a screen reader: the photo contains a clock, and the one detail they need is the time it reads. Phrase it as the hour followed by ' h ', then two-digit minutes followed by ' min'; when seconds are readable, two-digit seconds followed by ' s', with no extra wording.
2 h 47 min
